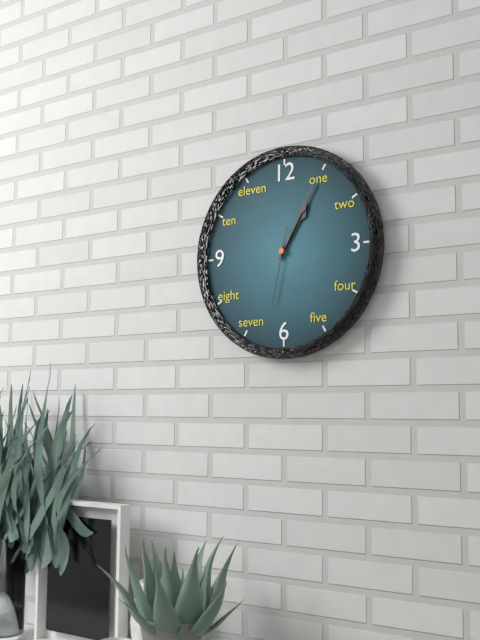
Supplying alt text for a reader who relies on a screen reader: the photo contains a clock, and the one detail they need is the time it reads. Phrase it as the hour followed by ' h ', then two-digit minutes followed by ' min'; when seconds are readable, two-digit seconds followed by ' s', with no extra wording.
1 h 05 min 32 s
